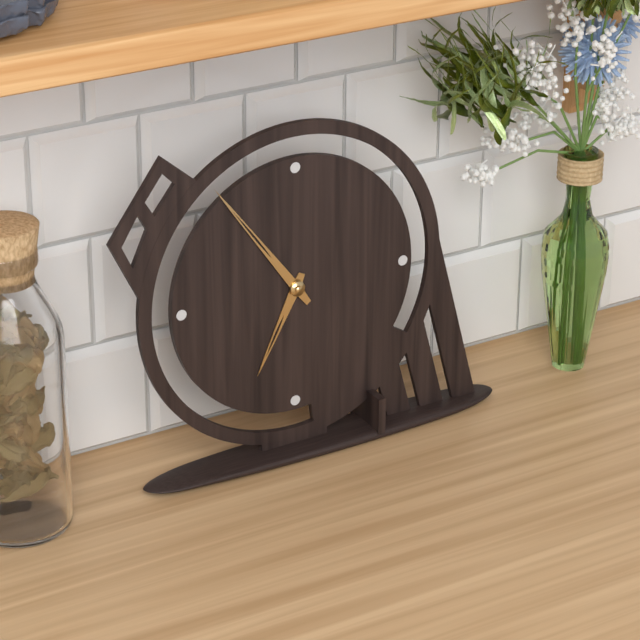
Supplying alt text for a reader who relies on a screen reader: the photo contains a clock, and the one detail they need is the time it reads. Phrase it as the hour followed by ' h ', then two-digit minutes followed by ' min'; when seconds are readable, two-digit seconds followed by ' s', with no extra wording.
6 h 54 min
